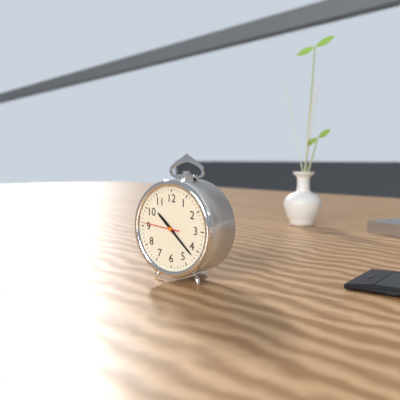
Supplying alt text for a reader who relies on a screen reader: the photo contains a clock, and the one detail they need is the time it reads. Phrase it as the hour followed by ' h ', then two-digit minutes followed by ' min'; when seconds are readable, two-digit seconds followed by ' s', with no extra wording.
10 h 22 min
